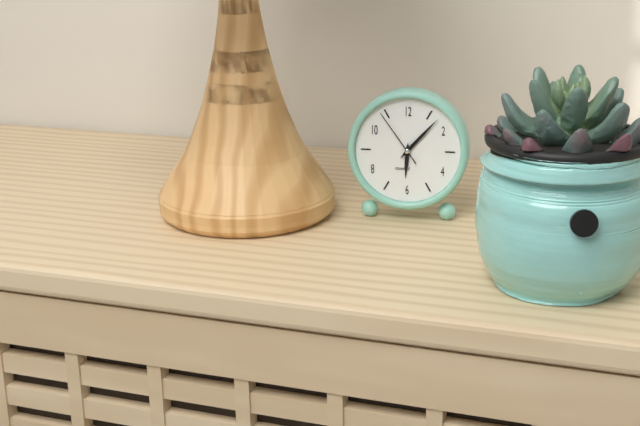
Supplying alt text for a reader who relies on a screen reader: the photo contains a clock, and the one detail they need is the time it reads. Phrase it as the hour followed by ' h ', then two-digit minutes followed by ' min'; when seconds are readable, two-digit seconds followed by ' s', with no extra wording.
6 h 07 min 54 s
